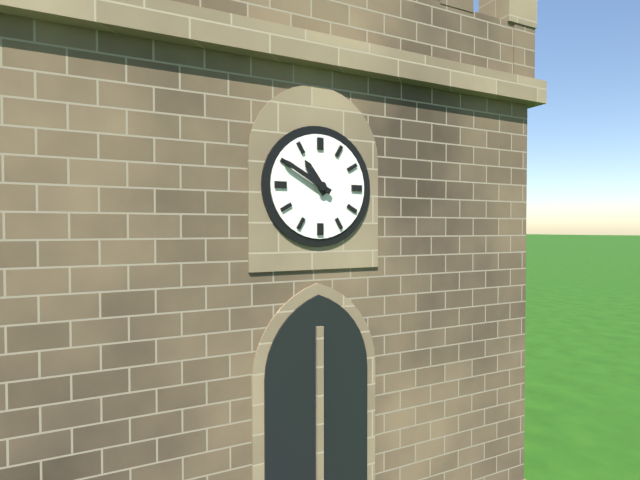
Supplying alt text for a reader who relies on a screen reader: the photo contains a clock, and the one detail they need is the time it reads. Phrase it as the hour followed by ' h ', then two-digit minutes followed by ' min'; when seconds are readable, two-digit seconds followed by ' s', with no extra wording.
10 h 50 min
